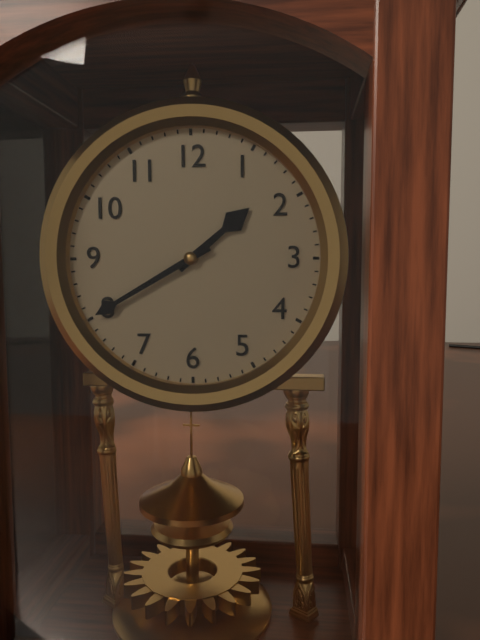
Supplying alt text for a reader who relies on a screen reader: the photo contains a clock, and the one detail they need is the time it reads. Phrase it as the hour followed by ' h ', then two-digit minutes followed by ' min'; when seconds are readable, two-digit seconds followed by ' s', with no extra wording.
1 h 40 min
